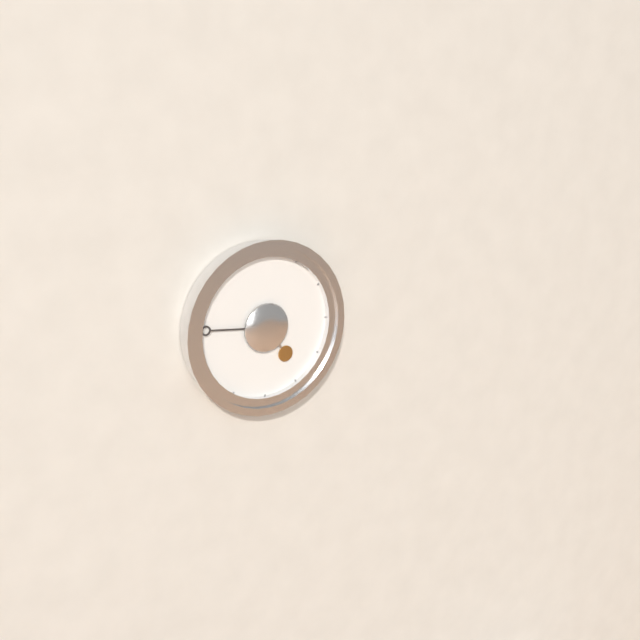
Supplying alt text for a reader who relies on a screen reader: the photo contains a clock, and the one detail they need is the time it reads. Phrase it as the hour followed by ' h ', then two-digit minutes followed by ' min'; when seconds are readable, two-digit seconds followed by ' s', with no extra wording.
4 h 46 min
